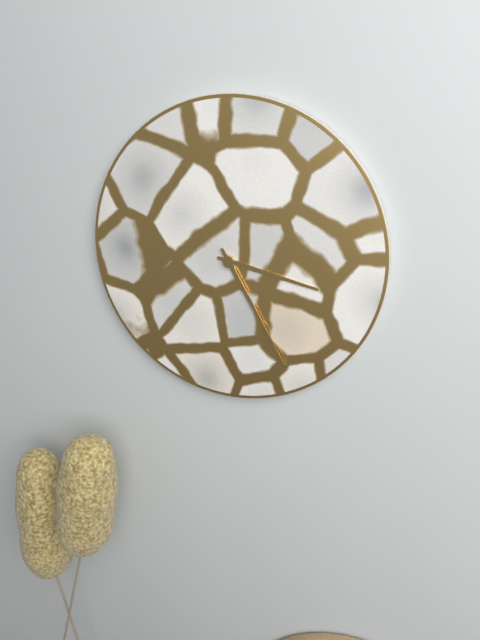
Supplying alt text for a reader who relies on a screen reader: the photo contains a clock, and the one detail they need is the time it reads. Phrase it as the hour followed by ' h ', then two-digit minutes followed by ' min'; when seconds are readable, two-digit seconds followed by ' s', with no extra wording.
3 h 25 min
